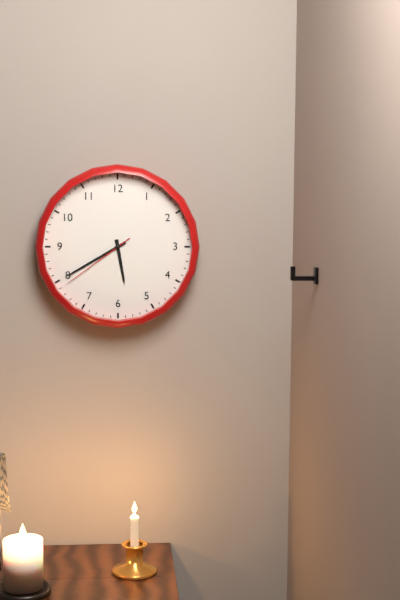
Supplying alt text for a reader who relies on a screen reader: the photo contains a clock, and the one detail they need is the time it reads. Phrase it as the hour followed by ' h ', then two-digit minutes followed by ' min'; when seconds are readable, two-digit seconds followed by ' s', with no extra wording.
5 h 40 min 39 s
